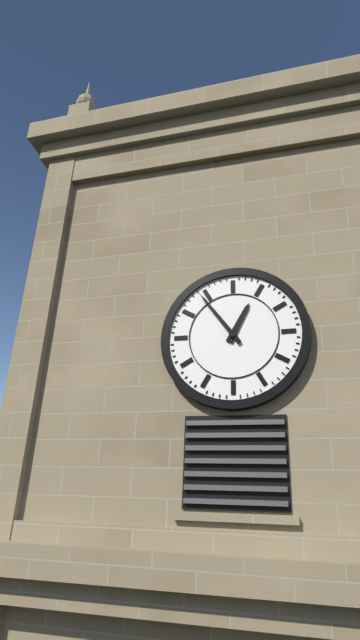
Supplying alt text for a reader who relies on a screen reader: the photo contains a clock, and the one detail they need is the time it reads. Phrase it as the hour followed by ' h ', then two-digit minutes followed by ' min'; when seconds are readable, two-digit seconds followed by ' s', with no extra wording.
12 h 54 min
